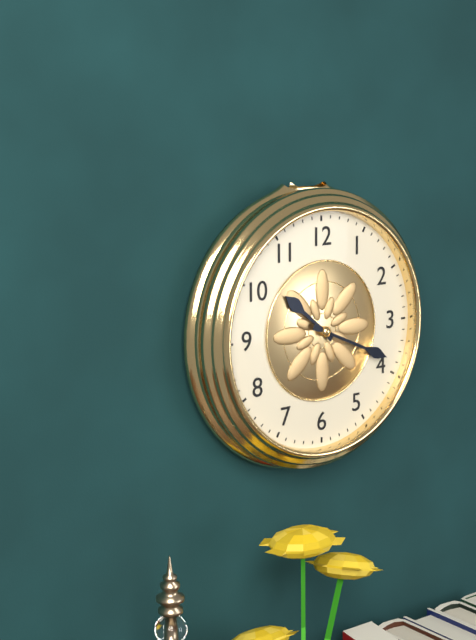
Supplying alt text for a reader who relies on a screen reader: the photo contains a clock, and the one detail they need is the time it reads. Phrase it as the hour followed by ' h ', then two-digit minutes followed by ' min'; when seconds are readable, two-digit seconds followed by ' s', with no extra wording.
10 h 19 min
